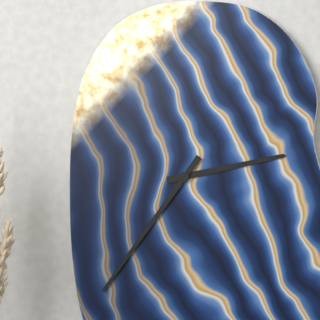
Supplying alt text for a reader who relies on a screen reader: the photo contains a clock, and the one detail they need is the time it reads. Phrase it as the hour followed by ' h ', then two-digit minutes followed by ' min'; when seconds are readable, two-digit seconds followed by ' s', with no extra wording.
2 h 36 min
